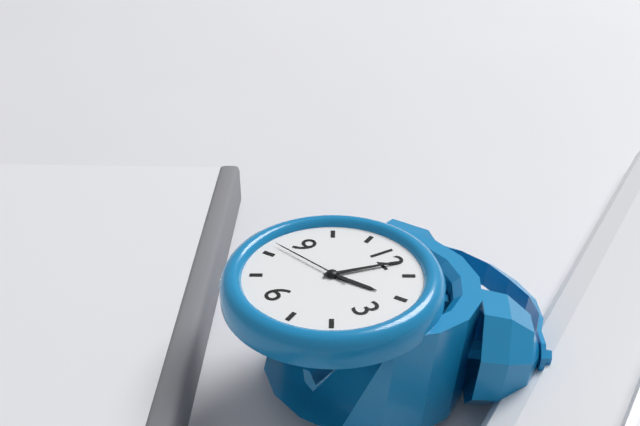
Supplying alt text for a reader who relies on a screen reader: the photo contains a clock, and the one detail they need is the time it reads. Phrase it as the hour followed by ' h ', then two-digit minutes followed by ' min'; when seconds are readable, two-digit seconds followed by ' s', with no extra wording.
2 h 02 min 42 s
